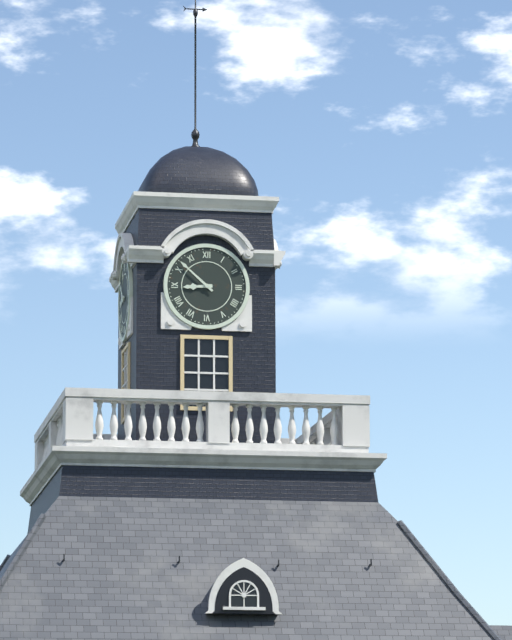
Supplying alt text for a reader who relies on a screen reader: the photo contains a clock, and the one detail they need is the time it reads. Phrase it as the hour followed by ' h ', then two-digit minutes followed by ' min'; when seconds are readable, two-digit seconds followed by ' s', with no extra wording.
8 h 52 min
